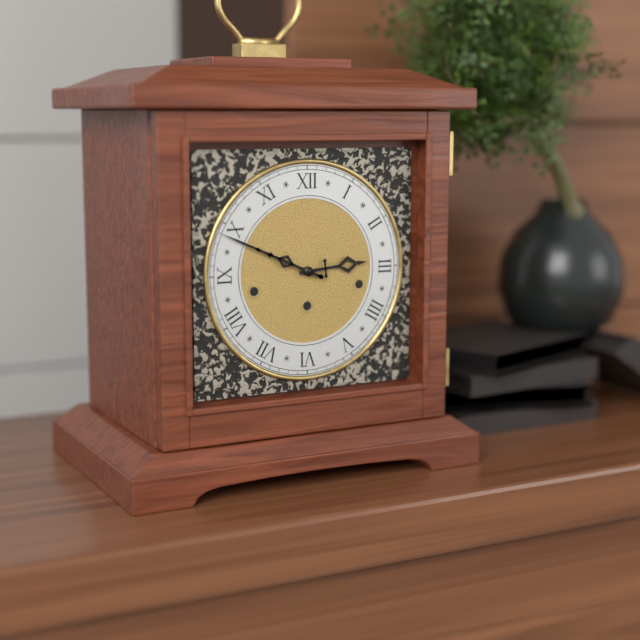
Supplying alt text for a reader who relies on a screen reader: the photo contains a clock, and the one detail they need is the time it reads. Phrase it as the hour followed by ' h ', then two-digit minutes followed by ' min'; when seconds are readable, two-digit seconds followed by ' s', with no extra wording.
2 h 49 min
